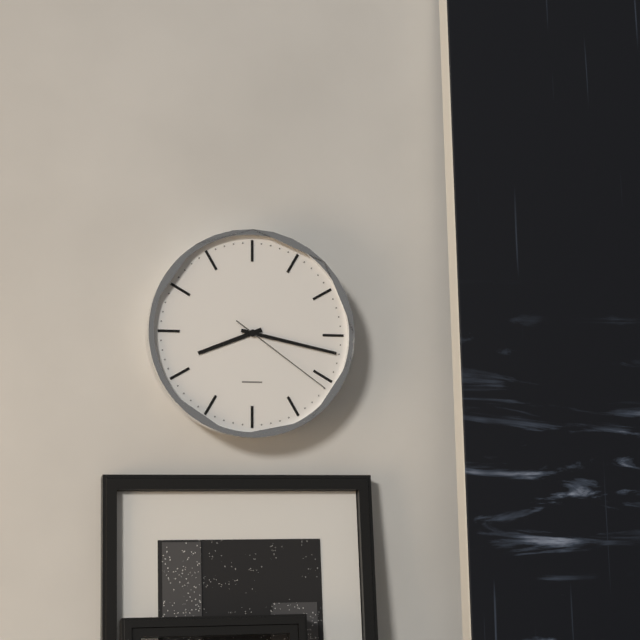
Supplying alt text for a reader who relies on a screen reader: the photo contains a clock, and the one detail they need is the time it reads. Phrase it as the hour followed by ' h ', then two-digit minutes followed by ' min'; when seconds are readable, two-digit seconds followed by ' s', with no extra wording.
8 h 17 min 21 s
